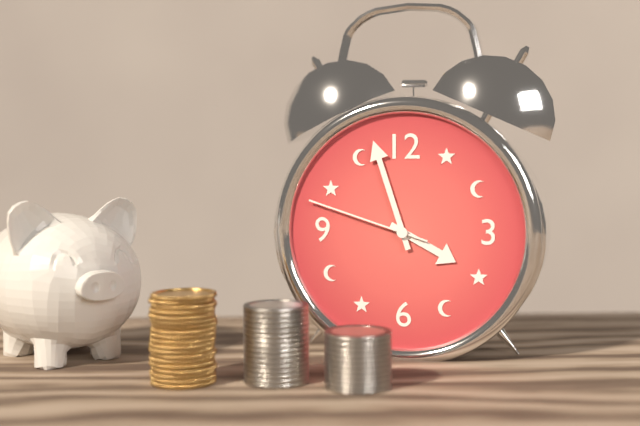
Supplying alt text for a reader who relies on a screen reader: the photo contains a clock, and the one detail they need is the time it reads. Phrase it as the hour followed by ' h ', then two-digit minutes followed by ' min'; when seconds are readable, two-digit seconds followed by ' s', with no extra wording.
3 h 57 min 48 s
